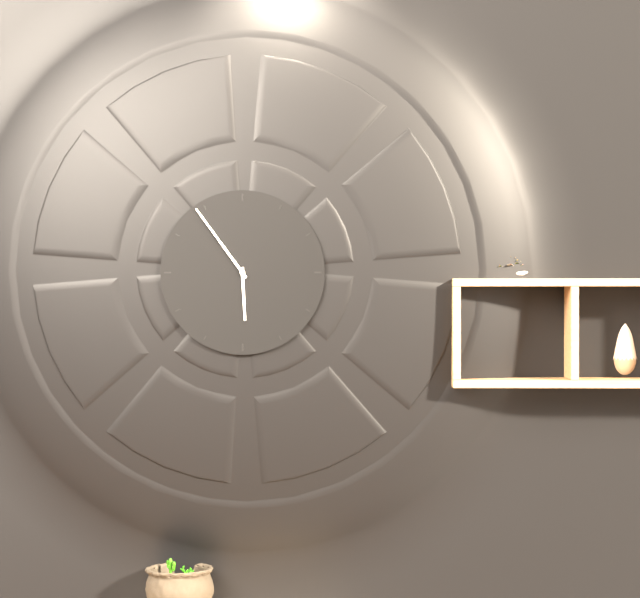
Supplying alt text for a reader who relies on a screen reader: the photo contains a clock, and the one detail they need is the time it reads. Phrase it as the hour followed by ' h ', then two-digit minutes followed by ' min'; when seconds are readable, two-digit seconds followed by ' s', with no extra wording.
5 h 54 min
